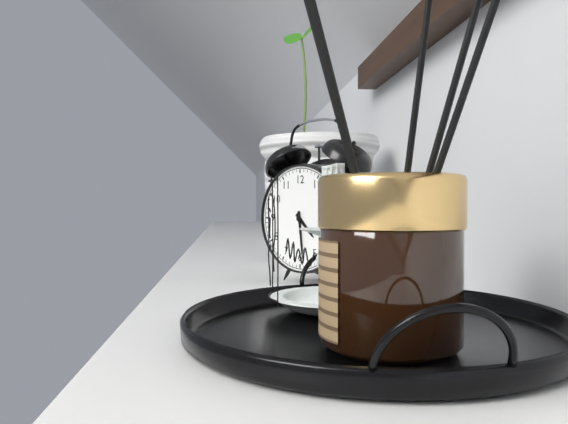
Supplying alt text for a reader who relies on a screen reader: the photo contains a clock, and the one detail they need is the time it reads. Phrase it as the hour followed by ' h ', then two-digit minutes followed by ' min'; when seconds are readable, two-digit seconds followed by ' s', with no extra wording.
4 h 29 min
